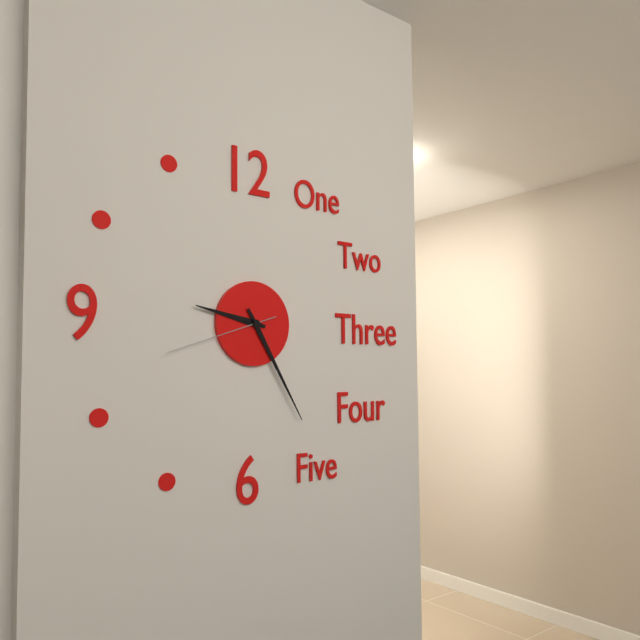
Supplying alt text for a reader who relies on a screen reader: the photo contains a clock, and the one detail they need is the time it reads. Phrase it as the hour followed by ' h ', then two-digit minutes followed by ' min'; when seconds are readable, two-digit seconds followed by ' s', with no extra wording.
9 h 25 min 42 s
